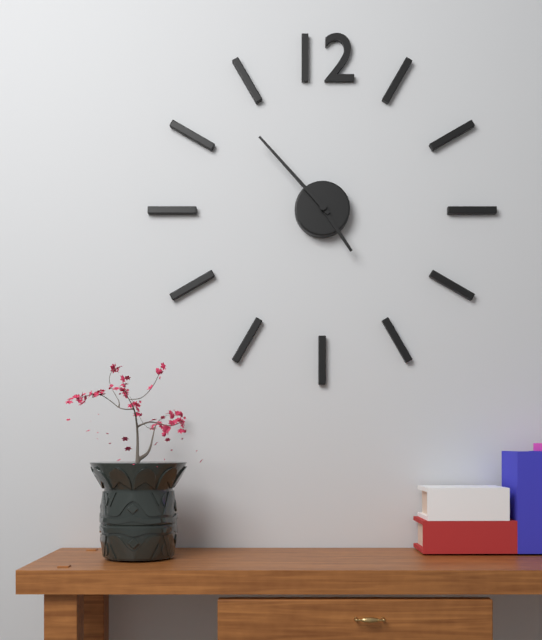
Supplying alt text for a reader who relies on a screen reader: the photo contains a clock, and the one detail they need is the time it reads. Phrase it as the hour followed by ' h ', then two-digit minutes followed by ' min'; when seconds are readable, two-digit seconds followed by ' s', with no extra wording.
4 h 53 min
